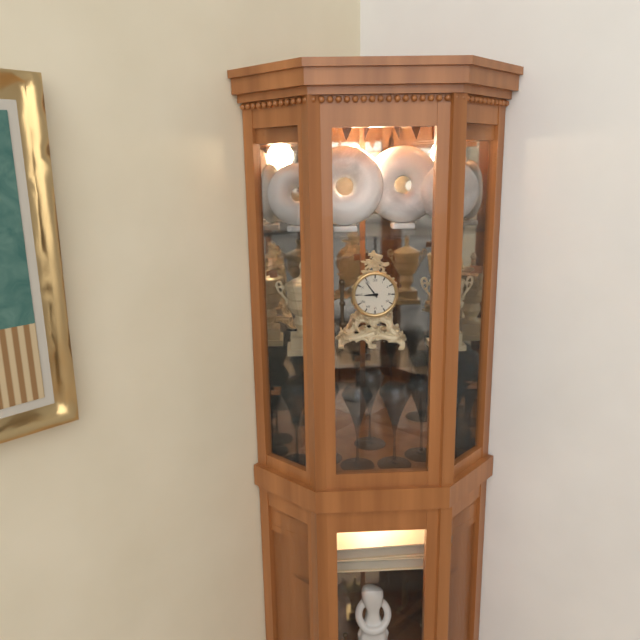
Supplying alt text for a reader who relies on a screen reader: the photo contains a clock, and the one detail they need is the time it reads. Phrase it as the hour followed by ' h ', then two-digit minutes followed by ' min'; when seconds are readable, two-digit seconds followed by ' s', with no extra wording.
8 h 54 min
